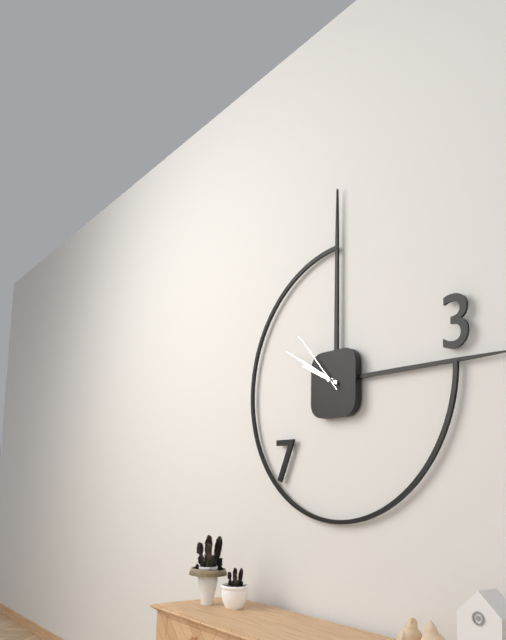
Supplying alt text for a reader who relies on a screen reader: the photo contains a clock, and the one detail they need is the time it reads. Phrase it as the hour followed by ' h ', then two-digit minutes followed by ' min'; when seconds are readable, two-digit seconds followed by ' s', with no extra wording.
9 h 50 min 53 s
